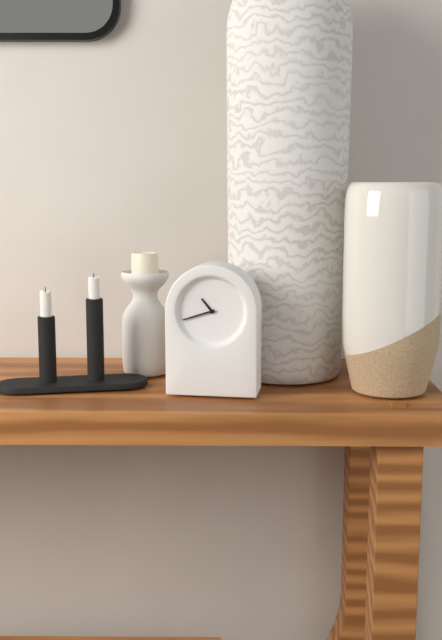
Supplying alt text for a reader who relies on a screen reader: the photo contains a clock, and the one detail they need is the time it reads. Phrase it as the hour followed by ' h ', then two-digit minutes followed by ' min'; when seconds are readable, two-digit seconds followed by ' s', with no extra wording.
10 h 42 min
